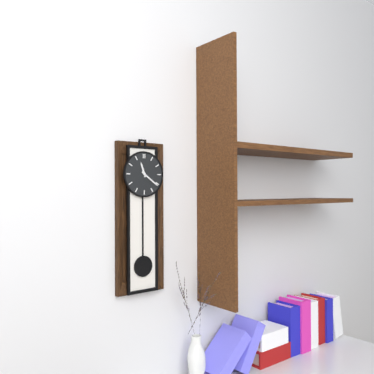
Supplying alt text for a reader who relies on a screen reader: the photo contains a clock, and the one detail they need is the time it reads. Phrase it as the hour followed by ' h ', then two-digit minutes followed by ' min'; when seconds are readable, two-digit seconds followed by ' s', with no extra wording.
11 h 21 min
